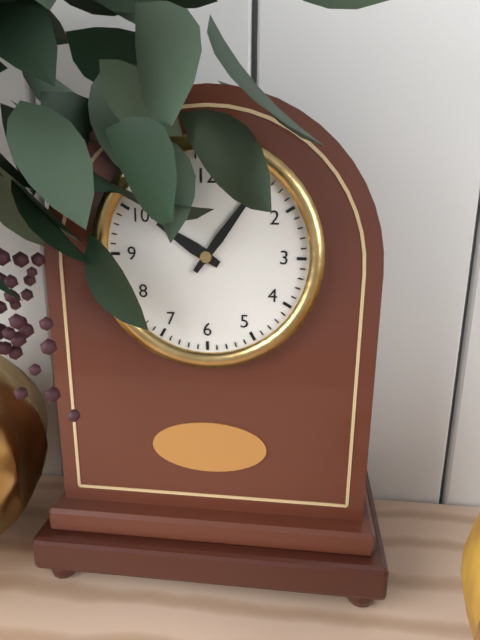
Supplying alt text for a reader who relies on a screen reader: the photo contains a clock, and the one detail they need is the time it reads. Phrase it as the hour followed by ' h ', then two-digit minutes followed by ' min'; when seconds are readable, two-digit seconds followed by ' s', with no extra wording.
10 h 06 min
